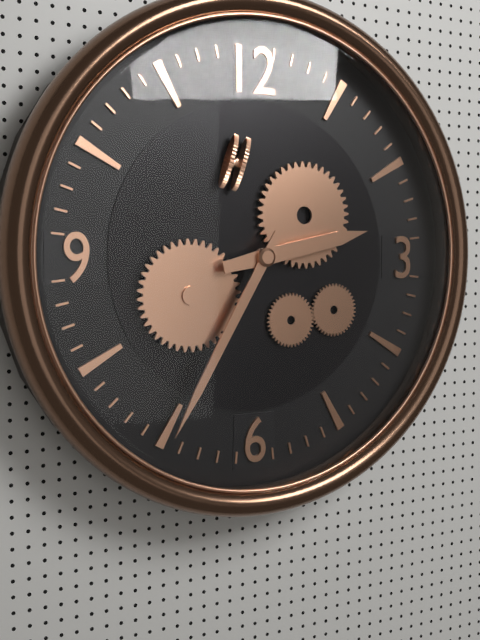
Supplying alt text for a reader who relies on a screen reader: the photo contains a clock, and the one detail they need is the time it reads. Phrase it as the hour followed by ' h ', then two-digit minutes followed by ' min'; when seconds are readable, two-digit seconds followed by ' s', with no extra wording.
2 h 35 min
